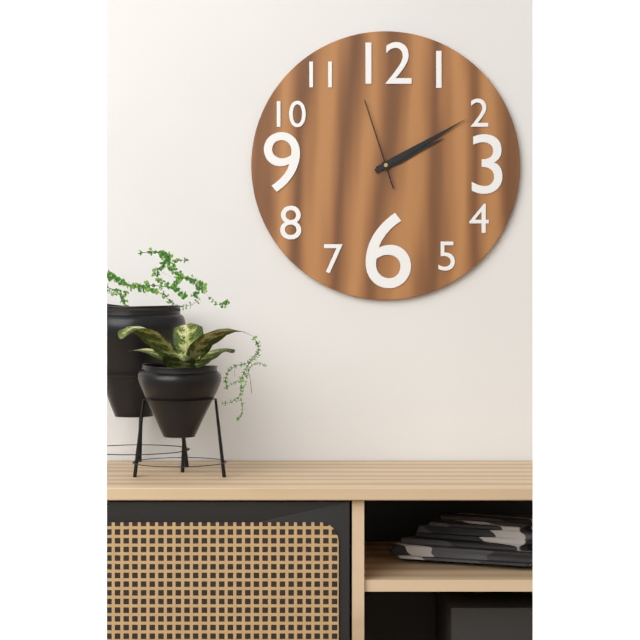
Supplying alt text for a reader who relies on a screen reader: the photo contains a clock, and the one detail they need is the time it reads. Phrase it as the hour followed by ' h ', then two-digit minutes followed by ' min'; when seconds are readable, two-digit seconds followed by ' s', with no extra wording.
2 h 10 min 57 s
